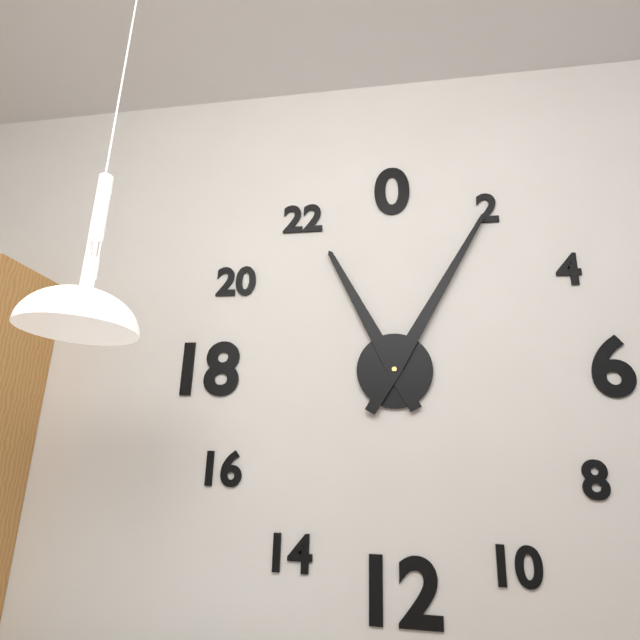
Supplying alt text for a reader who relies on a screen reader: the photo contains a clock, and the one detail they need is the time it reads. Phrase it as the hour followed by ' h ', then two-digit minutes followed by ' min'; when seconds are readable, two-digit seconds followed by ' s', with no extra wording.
11 h 05 min
